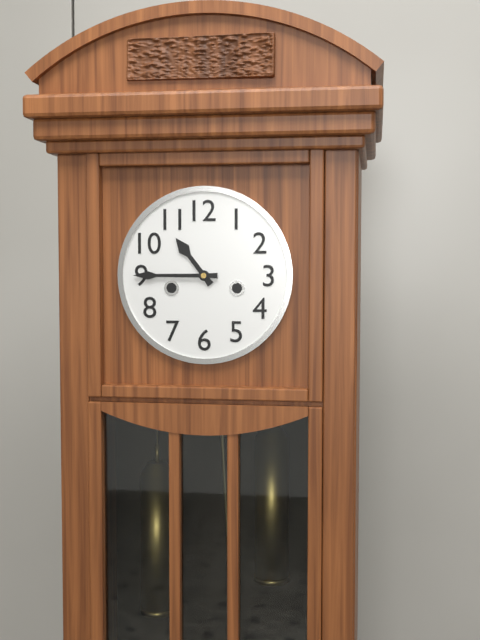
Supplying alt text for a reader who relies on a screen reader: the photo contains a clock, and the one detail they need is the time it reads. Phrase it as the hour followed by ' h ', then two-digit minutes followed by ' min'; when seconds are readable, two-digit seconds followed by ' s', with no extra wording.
10 h 45 min
